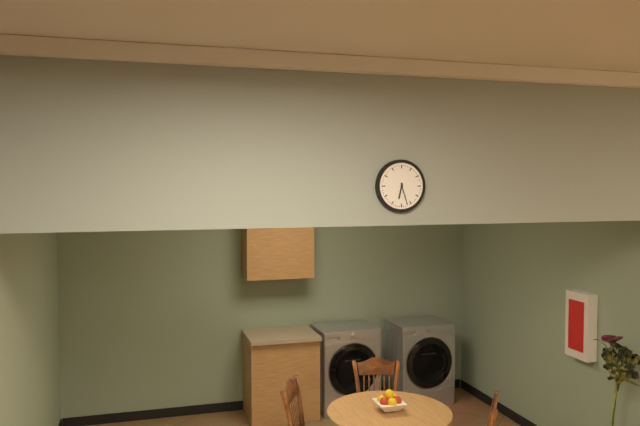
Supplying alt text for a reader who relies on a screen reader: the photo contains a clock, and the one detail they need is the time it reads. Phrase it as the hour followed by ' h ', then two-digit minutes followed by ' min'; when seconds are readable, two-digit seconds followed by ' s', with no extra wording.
6 h 27 min
